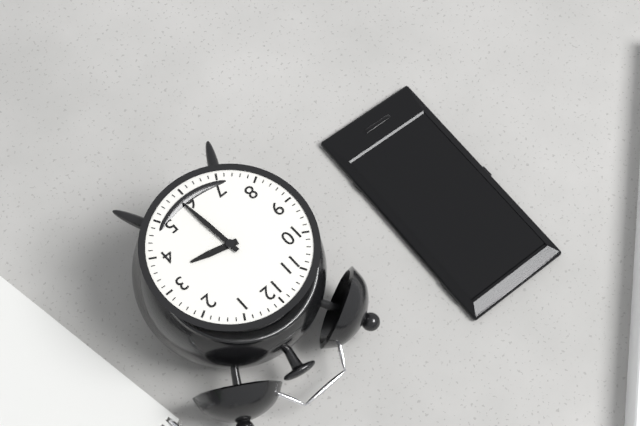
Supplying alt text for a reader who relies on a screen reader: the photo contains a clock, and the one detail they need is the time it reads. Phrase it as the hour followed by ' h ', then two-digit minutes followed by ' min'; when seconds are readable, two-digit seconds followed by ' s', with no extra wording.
3 h 29 min
